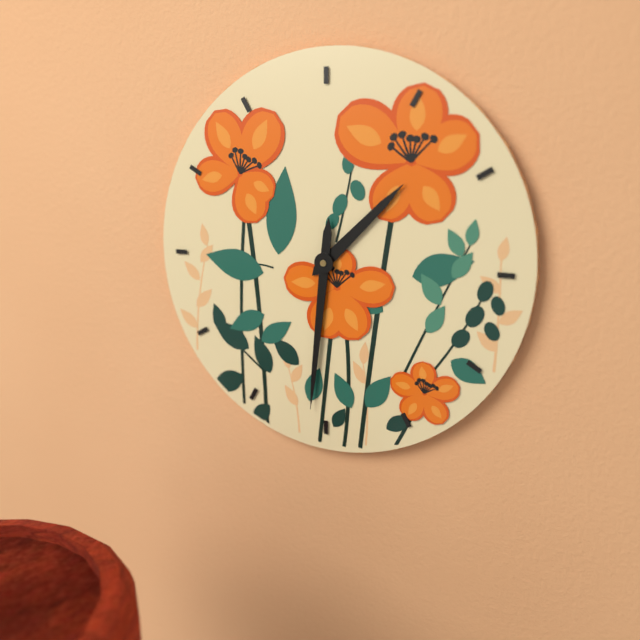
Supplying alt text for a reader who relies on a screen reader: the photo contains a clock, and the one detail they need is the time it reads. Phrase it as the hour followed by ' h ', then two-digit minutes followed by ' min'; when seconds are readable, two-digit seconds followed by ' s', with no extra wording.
1 h 31 min
